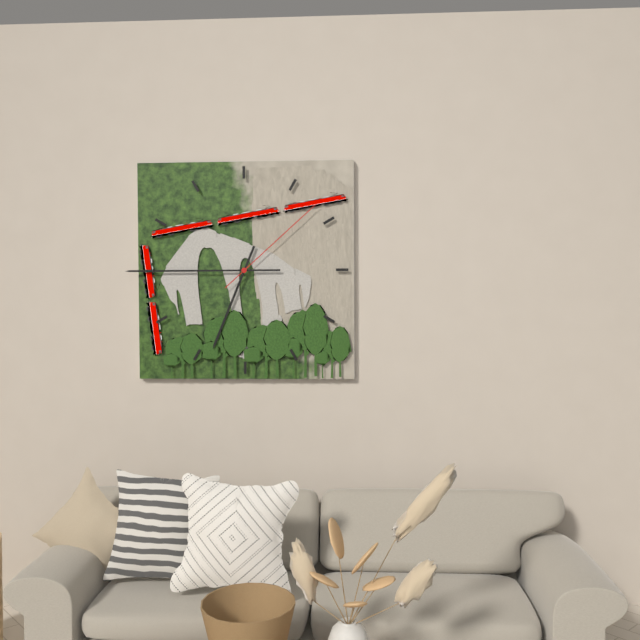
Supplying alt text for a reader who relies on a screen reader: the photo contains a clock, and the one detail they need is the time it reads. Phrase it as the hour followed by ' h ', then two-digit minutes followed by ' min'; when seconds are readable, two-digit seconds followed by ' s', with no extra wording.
6 h 45 min 08 s
